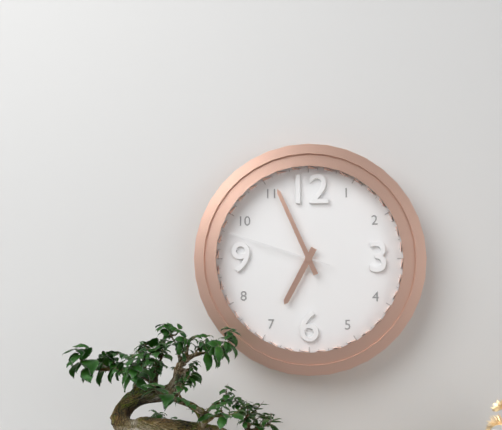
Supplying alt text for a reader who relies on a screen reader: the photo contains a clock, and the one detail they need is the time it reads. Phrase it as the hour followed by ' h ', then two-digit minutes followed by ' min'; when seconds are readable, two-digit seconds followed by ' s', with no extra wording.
6 h 56 min 48 s
